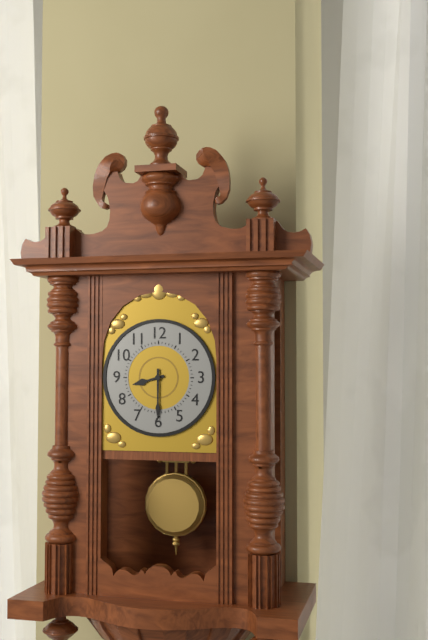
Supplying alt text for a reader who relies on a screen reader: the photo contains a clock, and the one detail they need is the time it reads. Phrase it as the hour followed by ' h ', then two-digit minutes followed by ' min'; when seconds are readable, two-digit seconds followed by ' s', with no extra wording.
8 h 30 min
